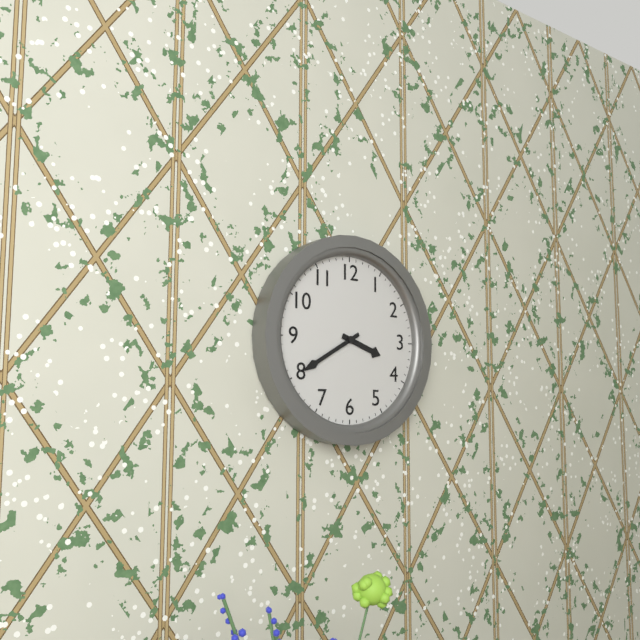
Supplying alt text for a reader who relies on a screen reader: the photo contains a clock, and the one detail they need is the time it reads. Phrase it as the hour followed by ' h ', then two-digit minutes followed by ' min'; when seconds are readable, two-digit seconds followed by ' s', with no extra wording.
3 h 40 min
